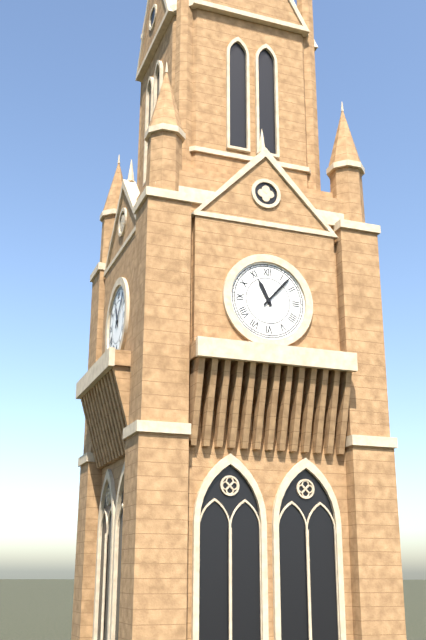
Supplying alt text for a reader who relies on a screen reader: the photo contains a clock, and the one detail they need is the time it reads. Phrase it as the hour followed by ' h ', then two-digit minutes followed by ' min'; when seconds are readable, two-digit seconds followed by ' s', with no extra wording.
11 h 07 min
